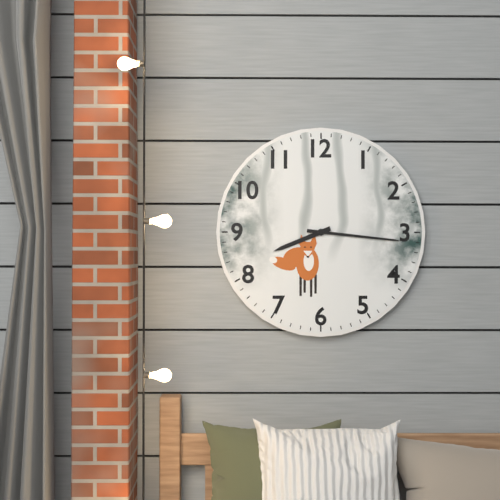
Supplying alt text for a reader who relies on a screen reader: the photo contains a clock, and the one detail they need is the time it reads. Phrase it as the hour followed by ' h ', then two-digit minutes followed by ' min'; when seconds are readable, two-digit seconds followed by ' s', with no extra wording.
8 h 16 min
